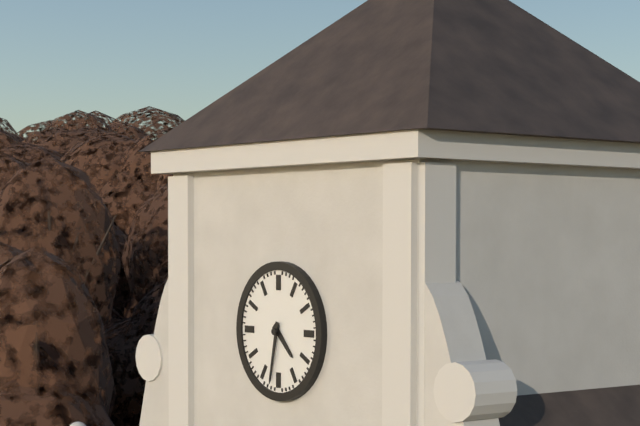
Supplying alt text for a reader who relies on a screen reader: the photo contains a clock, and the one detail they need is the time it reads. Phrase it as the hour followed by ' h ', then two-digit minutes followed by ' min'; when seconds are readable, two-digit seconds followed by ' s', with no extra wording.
4 h 32 min
